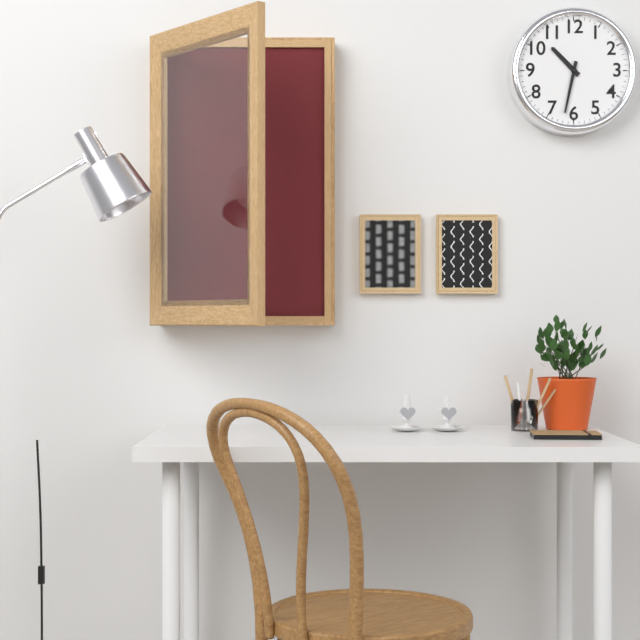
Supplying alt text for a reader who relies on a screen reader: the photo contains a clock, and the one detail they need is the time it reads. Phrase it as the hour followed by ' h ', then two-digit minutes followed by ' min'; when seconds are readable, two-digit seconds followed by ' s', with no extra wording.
10 h 32 min
